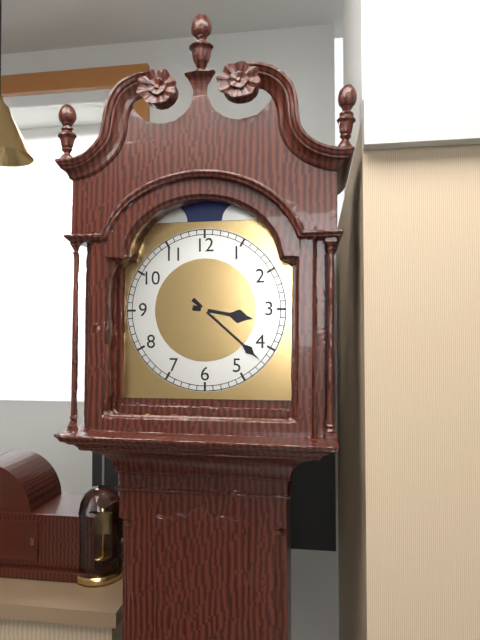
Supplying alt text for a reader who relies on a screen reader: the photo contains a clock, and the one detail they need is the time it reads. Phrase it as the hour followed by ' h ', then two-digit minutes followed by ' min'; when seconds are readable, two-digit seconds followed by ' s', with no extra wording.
3 h 22 min
